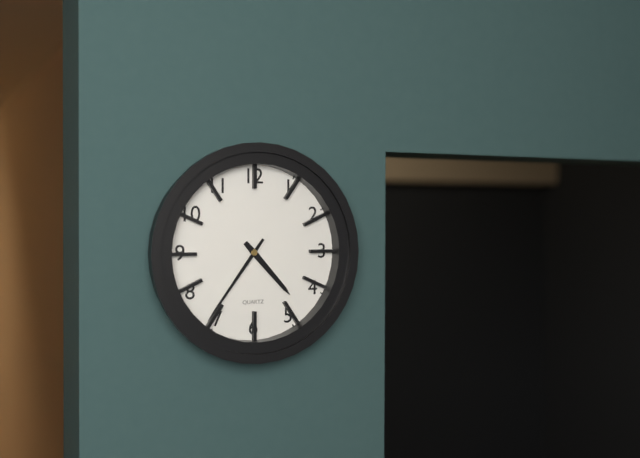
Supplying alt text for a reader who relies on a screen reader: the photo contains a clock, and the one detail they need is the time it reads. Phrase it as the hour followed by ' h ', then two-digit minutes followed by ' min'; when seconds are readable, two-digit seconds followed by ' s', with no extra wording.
4 h 36 min
